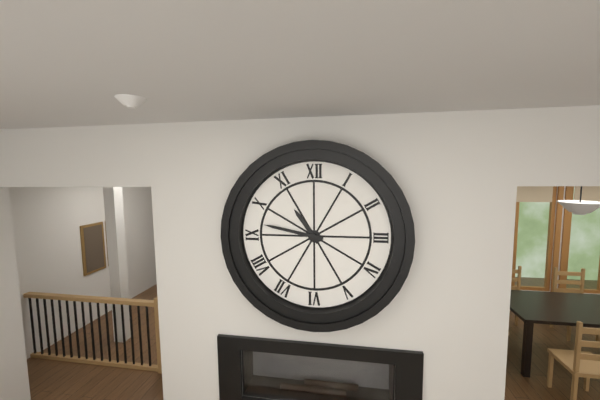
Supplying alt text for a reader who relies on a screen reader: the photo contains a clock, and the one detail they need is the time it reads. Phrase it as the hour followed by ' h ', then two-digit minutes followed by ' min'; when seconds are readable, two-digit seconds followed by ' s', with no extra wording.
10 h 47 min
